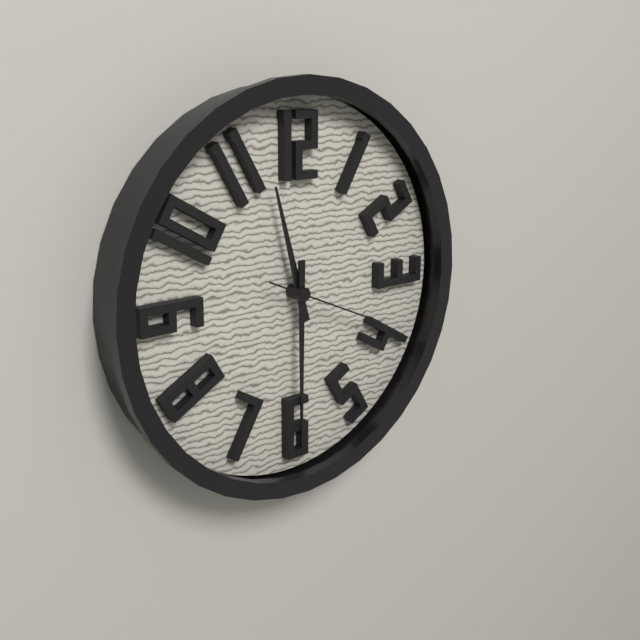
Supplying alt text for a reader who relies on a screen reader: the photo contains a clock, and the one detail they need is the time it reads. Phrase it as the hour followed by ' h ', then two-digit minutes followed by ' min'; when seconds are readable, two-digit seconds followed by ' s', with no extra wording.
11 h 30 min 19 s
